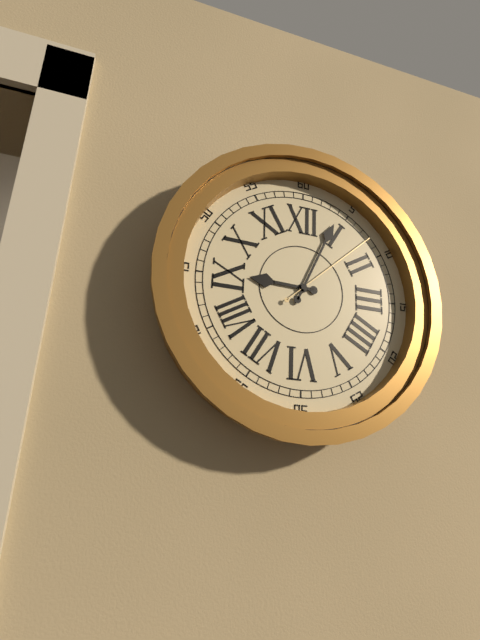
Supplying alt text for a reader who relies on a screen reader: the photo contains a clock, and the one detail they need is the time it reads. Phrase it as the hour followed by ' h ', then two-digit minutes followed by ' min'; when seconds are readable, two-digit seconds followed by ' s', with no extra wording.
9 h 04 min 08 s
